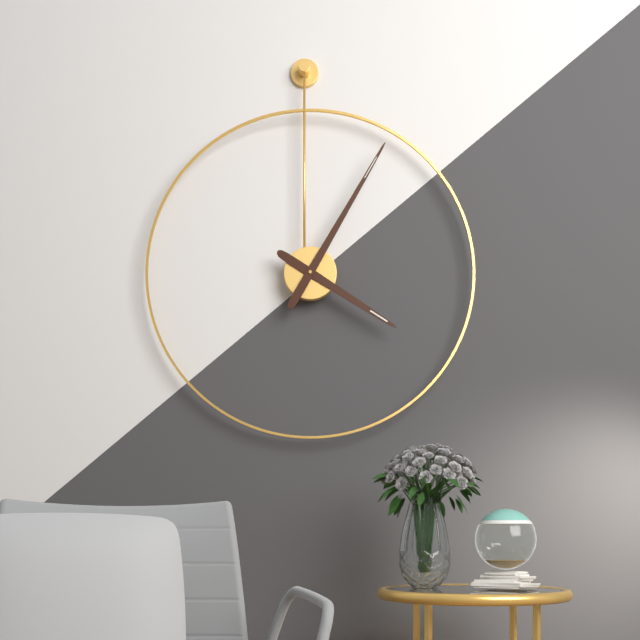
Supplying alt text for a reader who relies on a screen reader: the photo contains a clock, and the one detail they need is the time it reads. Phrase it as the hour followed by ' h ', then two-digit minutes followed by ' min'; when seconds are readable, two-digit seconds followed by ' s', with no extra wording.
4 h 05 min
